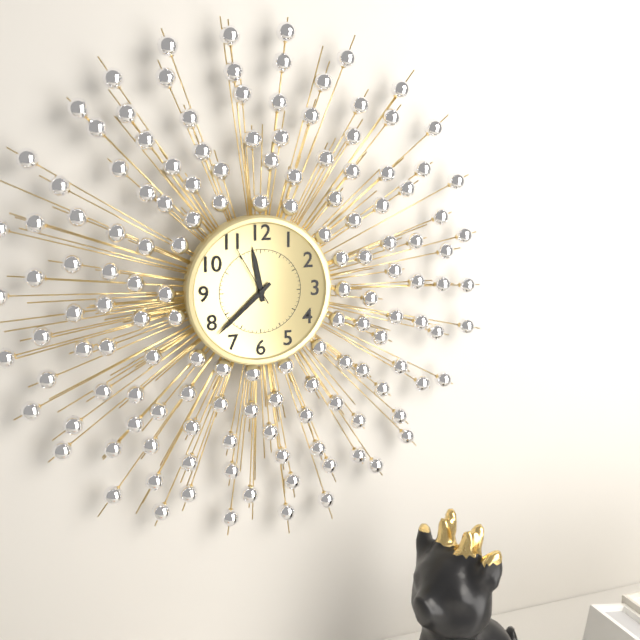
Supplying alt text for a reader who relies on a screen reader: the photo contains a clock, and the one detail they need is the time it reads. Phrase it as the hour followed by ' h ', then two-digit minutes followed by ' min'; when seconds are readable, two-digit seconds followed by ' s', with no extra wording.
11 h 38 min 55 s
